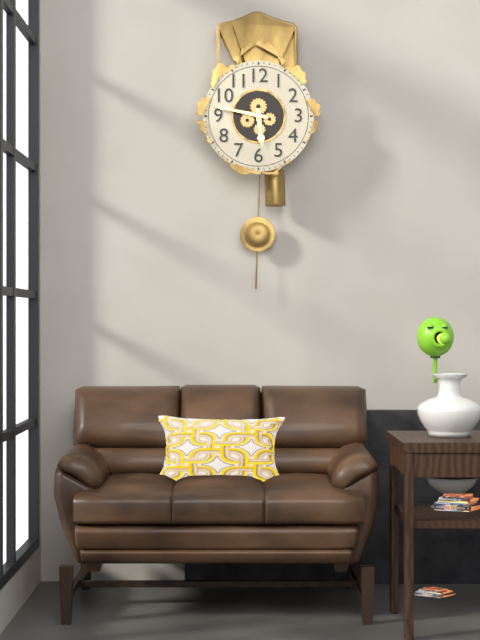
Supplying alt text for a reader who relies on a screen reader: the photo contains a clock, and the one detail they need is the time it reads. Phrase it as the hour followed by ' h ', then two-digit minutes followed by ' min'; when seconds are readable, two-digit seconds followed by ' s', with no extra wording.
5 h 47 min
